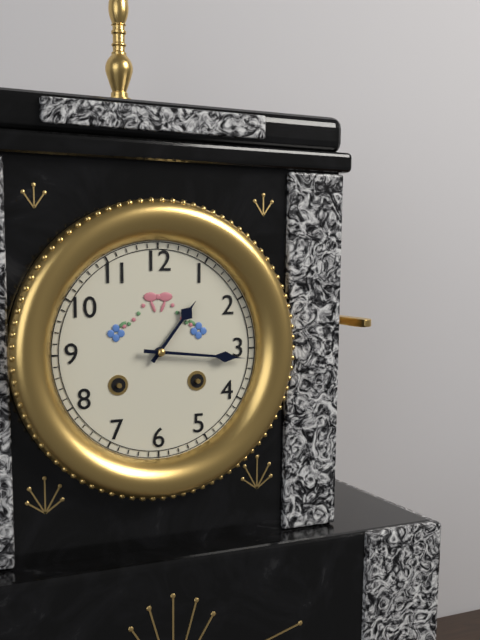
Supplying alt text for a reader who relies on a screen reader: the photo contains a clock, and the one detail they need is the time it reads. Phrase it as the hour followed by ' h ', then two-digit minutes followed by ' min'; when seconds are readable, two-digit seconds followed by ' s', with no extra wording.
1 h 16 min
